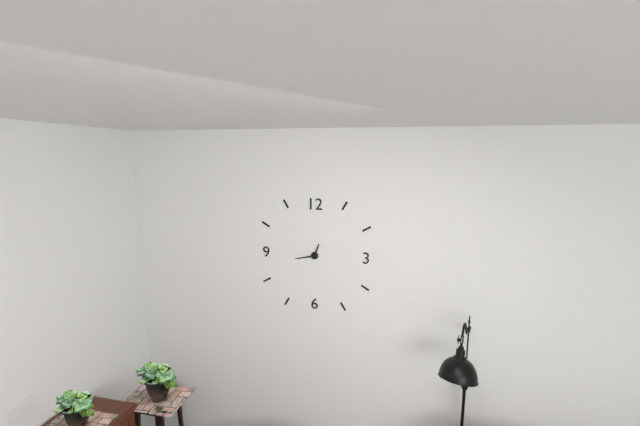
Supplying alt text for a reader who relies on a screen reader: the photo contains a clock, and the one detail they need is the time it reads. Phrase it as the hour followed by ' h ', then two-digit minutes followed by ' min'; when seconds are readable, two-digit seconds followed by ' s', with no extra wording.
12 h 43 min
